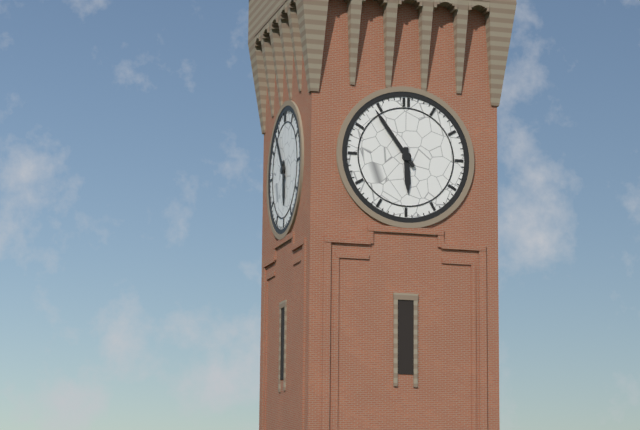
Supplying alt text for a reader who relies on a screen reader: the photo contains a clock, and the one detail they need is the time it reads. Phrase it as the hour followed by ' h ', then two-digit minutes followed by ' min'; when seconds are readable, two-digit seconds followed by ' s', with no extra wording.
5 h 54 min
